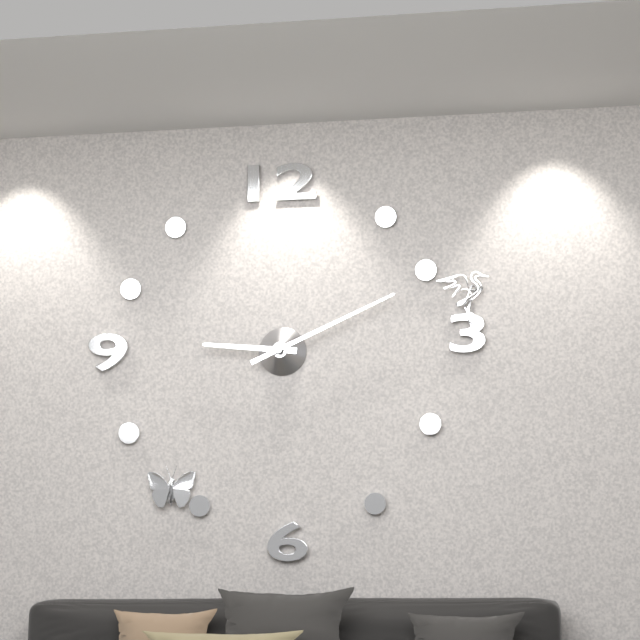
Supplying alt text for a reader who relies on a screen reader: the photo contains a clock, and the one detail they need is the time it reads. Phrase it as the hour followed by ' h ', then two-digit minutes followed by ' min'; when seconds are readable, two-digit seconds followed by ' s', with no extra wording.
9 h 11 min
